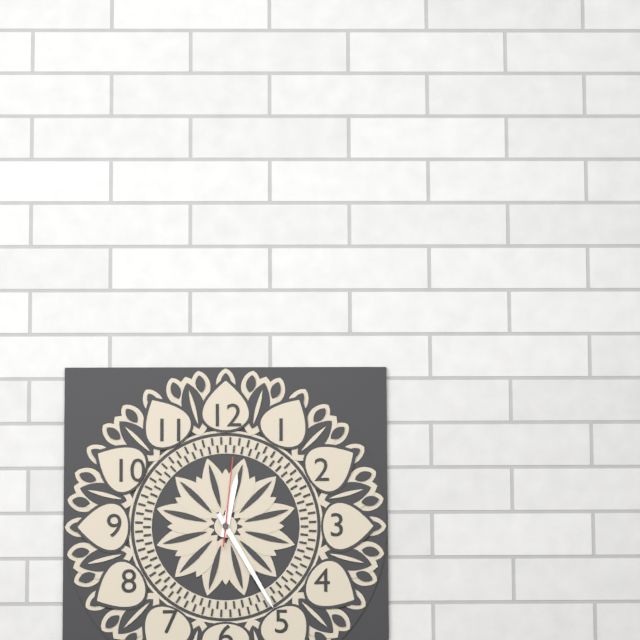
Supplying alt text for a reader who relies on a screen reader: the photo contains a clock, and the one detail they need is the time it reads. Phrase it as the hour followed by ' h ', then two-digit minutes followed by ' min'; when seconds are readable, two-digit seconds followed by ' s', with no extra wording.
12 h 25 min 01 s
